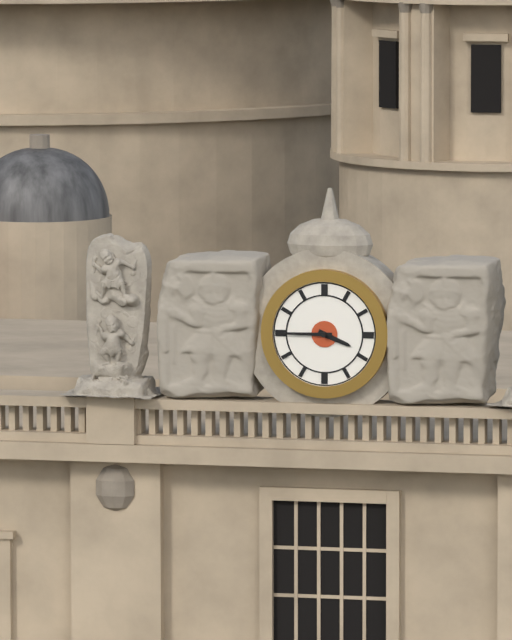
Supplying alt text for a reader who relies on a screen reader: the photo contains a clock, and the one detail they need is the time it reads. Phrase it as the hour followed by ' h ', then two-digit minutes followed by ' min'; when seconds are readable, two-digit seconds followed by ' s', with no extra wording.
3 h 45 min
